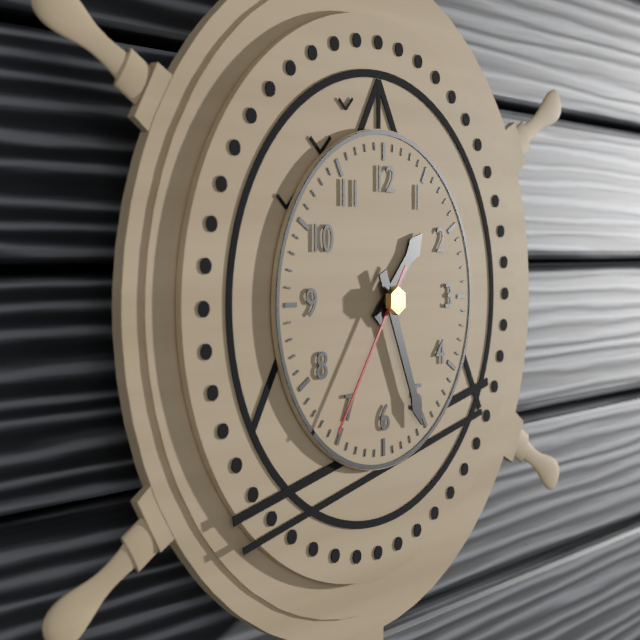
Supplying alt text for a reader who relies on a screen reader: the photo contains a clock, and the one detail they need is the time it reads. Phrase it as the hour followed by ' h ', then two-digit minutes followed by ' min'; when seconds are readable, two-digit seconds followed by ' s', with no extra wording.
1 h 26 min 36 s
